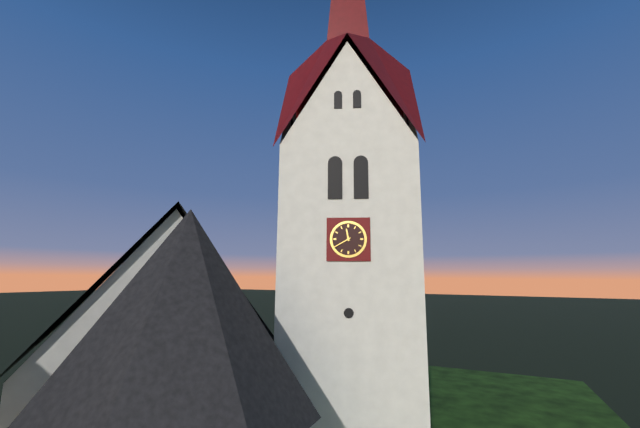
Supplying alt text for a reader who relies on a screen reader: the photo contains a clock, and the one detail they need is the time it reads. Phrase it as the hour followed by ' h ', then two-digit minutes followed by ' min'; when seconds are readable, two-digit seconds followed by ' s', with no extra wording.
11 h 40 min
